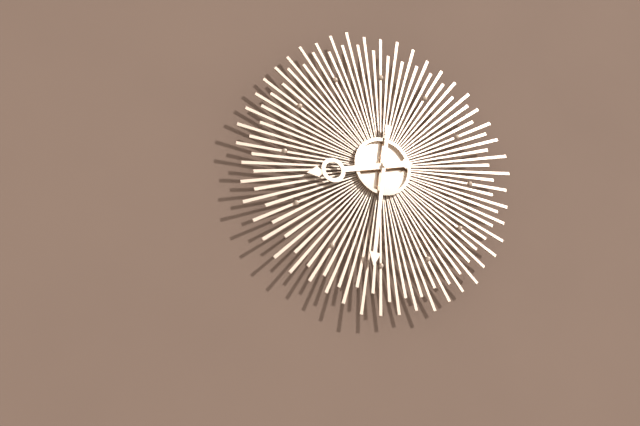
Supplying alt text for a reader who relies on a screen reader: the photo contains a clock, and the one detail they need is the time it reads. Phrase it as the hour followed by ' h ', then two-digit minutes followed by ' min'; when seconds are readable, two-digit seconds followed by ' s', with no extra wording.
8 h 31 min
